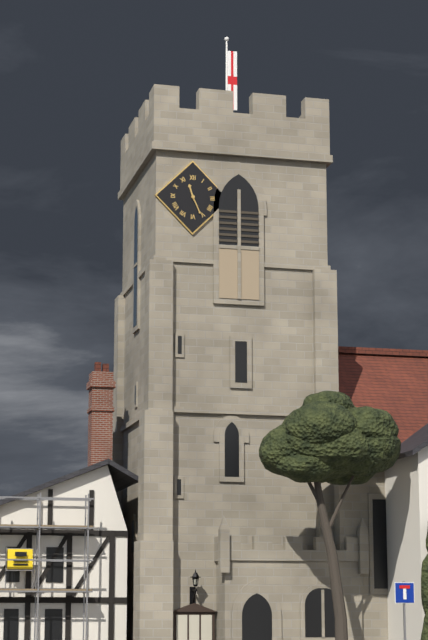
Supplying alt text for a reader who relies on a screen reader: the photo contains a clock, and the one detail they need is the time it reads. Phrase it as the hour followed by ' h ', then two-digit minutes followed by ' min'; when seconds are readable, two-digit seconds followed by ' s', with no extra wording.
11 h 26 min
